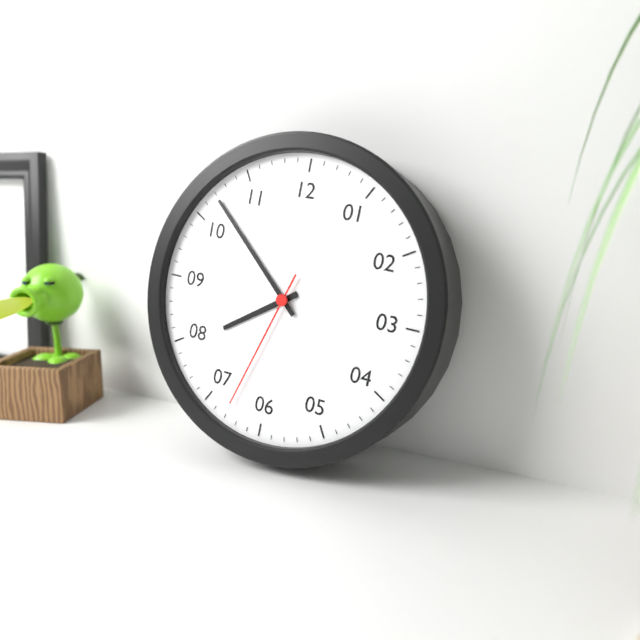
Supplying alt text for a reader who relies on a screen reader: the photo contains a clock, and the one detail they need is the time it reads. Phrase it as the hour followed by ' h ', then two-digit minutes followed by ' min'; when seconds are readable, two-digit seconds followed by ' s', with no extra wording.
7 h 52 min 33 s
